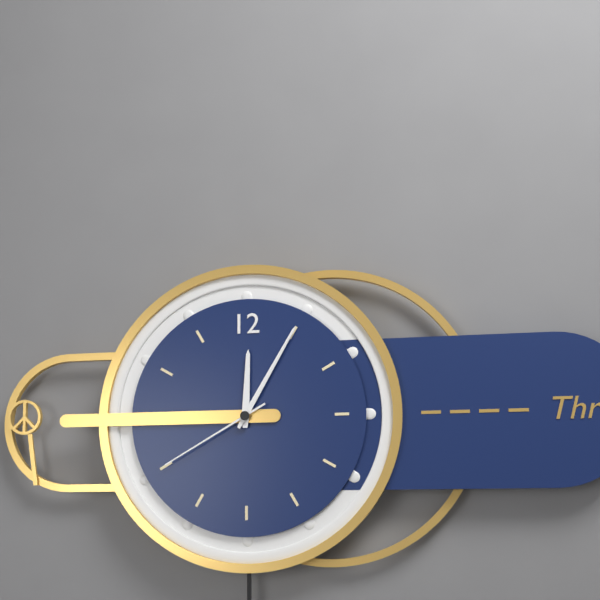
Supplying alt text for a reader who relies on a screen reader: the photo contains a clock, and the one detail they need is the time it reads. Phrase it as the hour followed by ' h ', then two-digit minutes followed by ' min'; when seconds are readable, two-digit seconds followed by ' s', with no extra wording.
12 h 05 min 40 s
